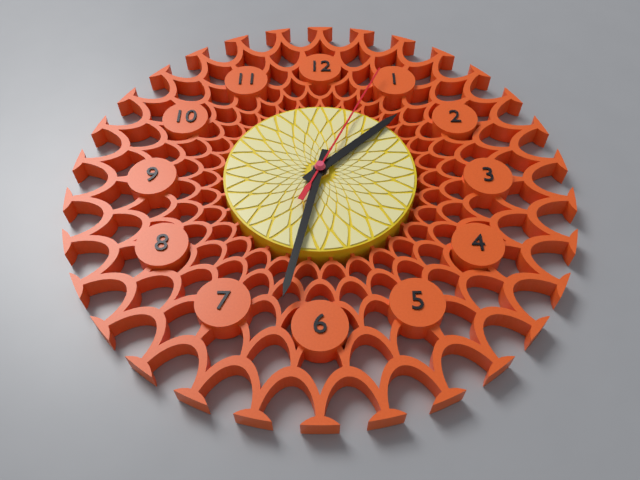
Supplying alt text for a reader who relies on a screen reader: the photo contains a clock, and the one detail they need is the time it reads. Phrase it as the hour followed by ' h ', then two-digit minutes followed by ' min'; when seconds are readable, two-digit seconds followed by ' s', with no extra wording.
1 h 32 min 04 s
